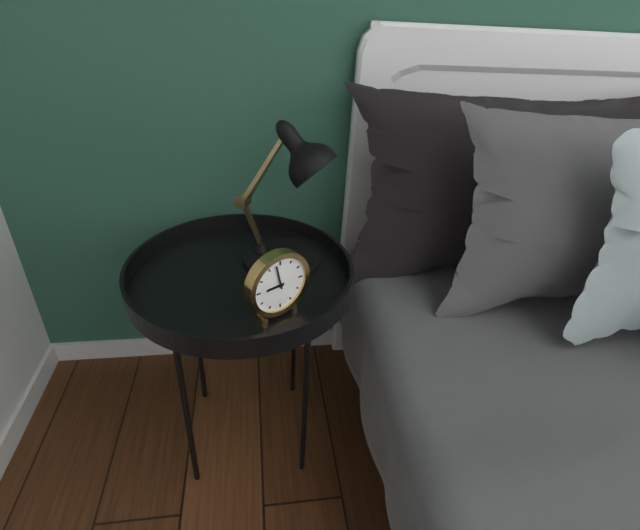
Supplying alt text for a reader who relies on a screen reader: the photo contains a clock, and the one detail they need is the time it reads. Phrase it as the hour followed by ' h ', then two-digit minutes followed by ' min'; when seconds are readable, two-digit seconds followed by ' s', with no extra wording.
8 h 58 min
